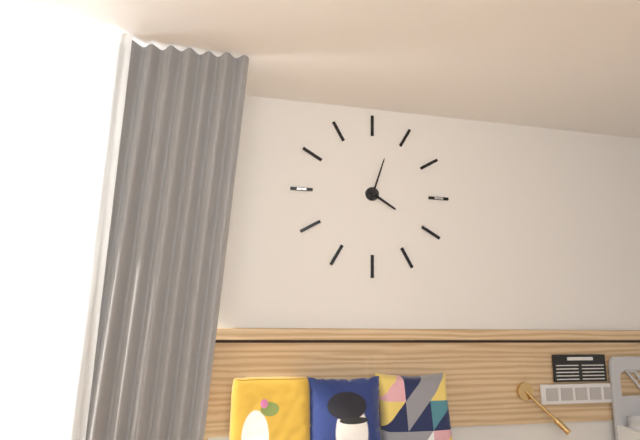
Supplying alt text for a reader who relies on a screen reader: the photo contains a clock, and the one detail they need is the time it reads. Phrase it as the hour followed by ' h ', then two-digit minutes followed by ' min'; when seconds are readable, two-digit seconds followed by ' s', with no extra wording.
4 h 03 min
